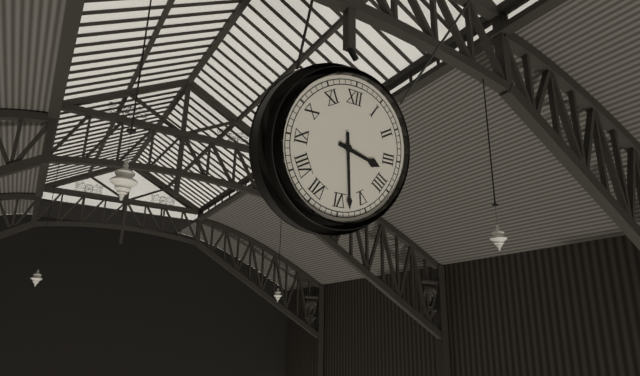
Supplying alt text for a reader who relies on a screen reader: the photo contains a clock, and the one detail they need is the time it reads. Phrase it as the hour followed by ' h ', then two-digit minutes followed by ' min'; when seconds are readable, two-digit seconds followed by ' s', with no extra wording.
3 h 28 min
